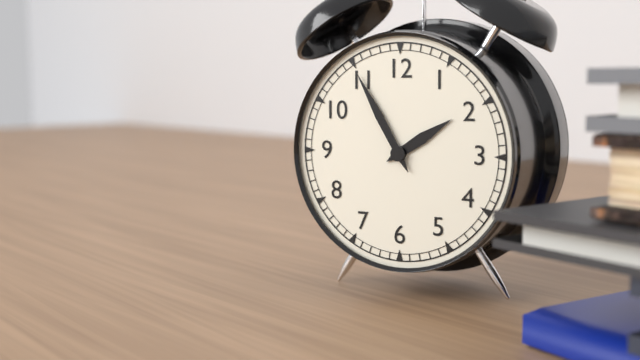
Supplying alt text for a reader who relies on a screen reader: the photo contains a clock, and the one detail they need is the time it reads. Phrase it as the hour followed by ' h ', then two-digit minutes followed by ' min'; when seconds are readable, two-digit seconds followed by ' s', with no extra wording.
1 h 55 min
